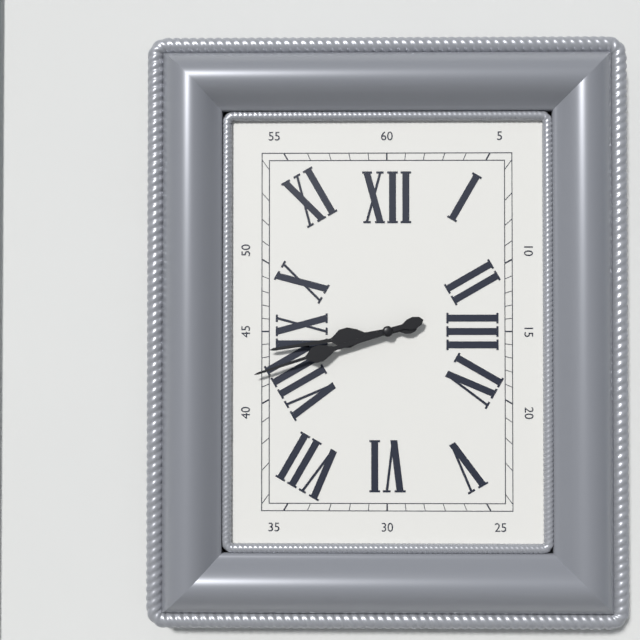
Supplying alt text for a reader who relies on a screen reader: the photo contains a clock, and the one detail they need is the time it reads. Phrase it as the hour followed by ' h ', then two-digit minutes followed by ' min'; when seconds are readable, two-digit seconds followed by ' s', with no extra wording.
8 h 42 min
